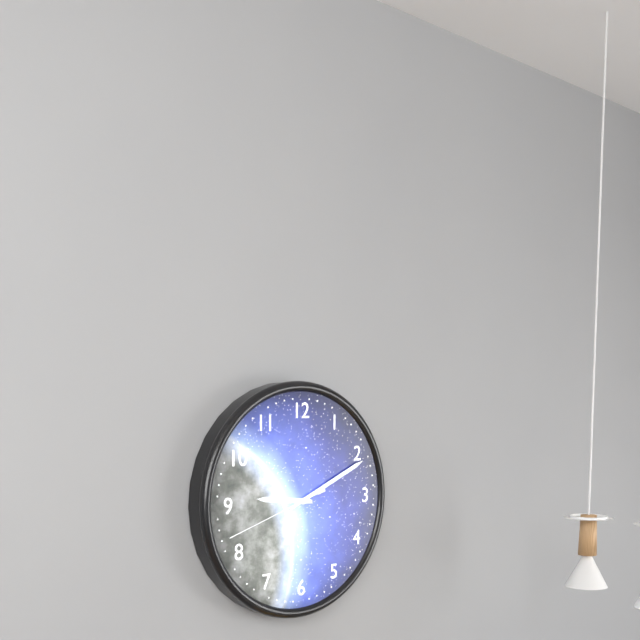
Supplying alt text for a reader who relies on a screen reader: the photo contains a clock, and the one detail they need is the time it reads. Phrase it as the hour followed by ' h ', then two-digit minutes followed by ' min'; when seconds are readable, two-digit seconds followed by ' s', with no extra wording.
9 h 11 min 42 s
